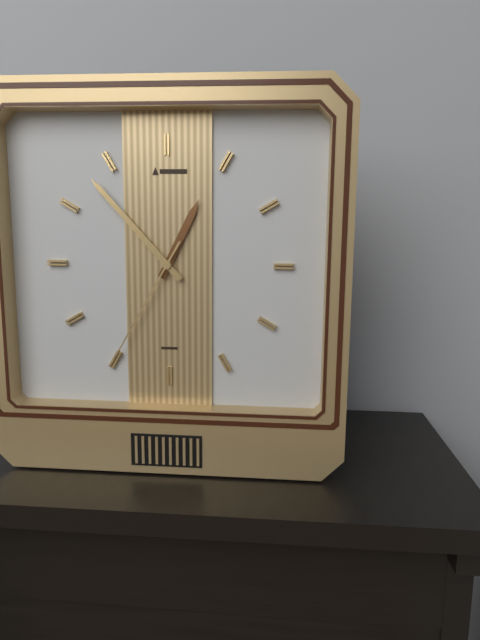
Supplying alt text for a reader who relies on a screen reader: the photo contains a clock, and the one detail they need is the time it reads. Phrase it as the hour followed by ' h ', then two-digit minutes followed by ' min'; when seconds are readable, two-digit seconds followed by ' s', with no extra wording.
12 h 53 min 35 s
